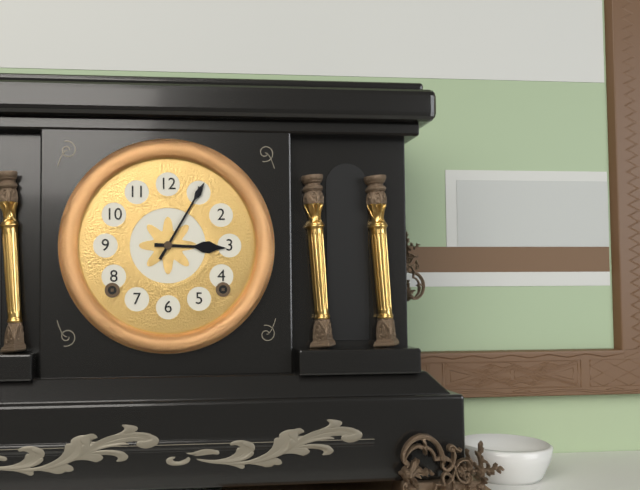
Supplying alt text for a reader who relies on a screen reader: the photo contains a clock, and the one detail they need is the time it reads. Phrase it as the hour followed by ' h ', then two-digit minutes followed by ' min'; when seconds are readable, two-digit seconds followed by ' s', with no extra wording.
3 h 05 min
